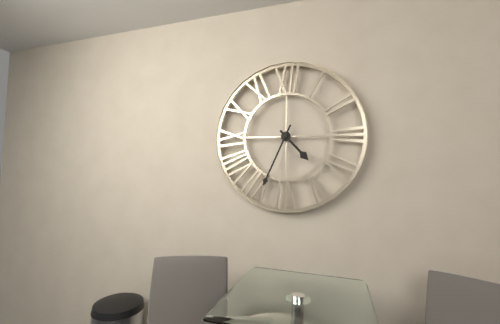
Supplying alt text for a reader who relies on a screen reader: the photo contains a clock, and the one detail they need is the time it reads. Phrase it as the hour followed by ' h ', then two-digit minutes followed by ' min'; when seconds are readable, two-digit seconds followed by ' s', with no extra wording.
4 h 34 min
